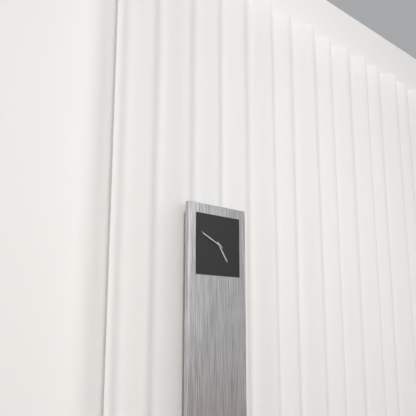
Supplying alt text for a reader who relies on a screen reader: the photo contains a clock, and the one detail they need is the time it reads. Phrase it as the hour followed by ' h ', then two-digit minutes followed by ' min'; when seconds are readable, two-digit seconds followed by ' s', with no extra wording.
4 h 49 min
